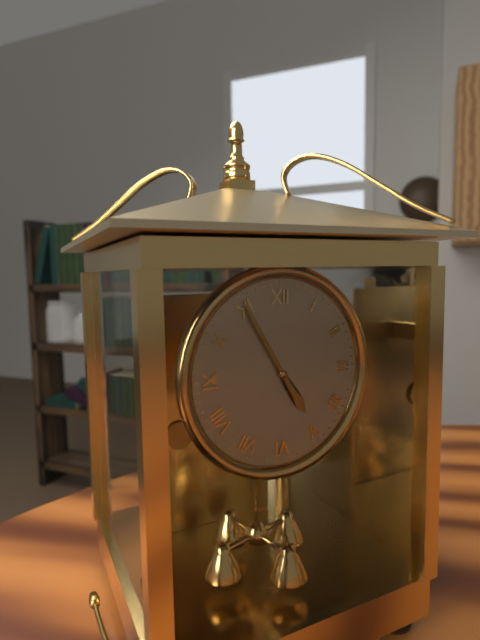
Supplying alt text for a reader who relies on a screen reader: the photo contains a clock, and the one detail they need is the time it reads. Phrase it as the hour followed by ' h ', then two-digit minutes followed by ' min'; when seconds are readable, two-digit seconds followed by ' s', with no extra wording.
4 h 55 min
